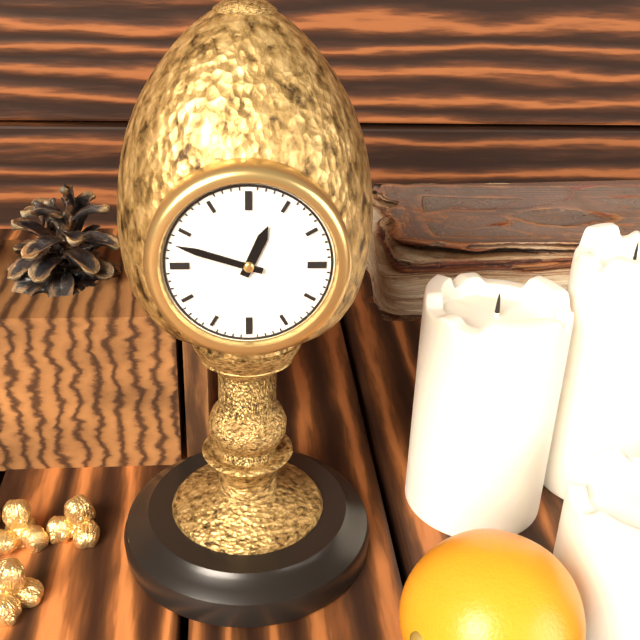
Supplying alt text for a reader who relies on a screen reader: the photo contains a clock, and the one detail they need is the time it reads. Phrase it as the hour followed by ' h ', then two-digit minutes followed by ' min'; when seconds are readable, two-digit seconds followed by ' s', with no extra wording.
12 h 48 min
